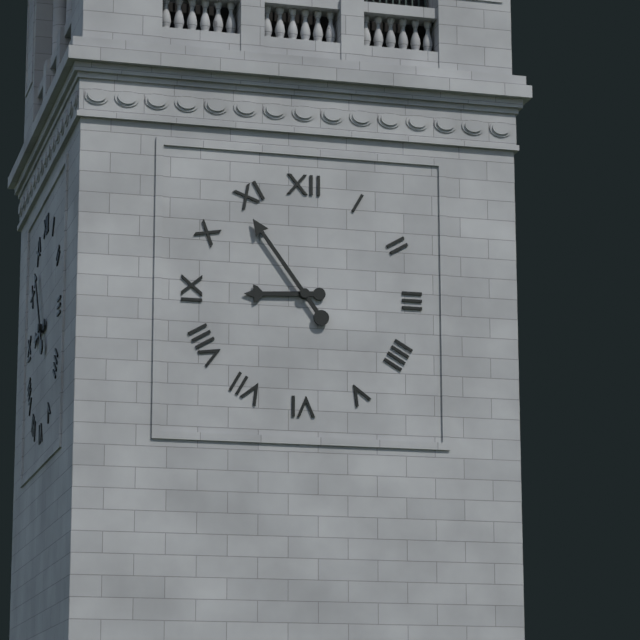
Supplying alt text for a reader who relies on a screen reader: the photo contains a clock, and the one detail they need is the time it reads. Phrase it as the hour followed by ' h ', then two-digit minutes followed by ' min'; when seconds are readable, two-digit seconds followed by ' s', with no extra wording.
8 h 54 min
